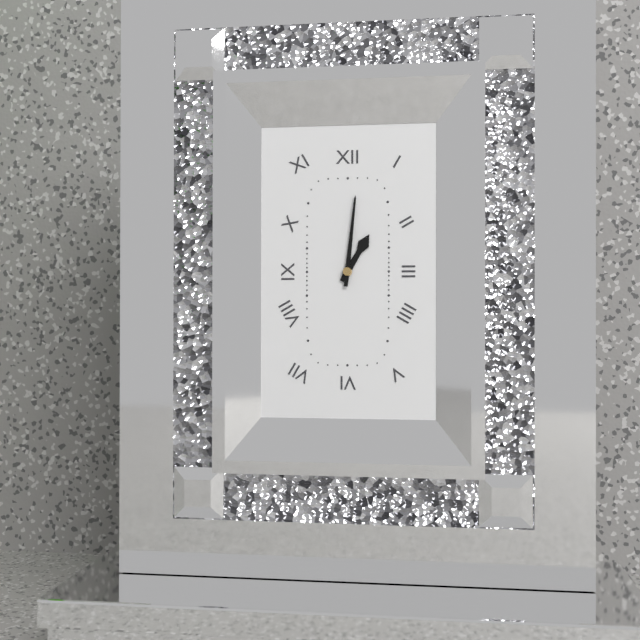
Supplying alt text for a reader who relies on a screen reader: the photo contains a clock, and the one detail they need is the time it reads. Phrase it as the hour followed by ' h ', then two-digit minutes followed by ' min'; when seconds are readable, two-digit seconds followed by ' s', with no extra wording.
1 h 01 min
